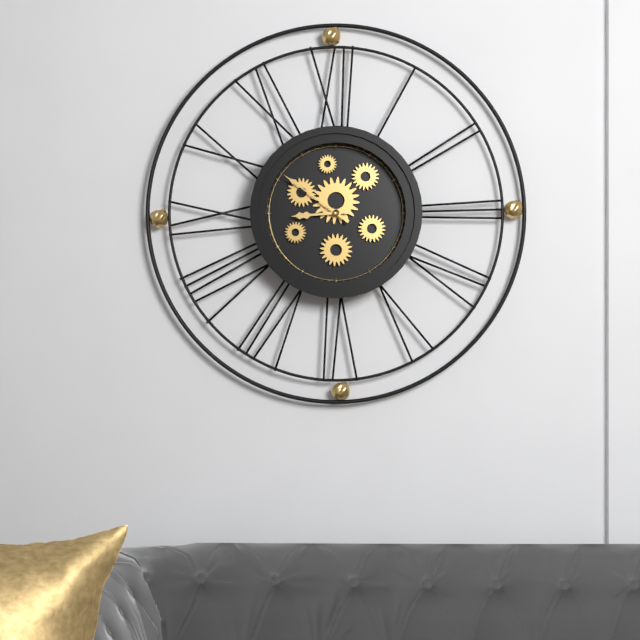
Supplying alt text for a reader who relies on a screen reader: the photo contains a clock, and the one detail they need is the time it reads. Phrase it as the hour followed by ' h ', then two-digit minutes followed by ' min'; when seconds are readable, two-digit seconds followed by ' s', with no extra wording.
8 h 51 min
